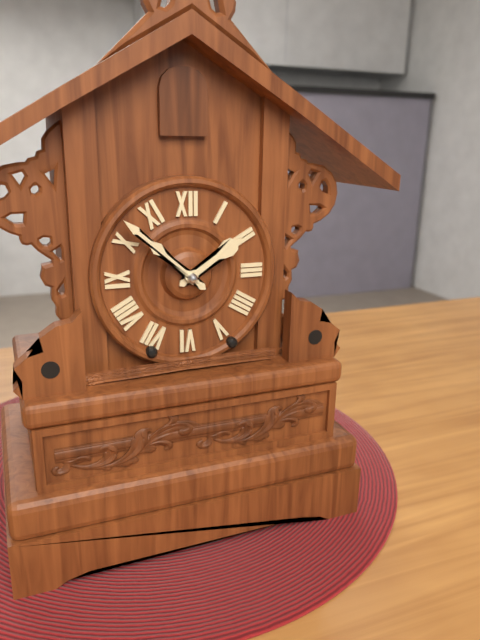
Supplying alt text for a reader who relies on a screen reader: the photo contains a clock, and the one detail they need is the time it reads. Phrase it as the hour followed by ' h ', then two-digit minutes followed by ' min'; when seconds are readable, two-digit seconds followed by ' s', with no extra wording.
1 h 52 min
